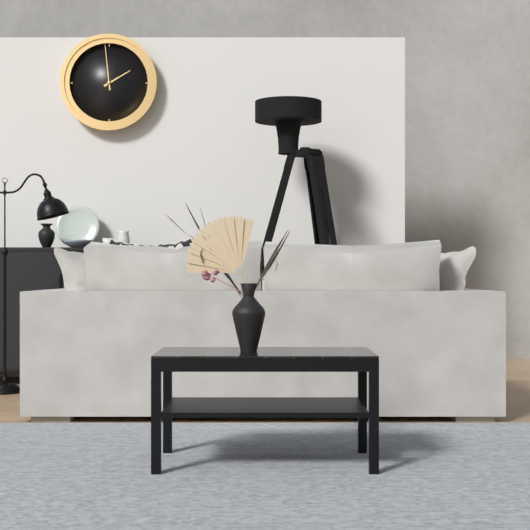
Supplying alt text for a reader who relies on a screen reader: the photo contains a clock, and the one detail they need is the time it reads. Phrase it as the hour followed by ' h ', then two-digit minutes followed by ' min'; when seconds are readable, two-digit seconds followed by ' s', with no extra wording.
1 h 59 min
